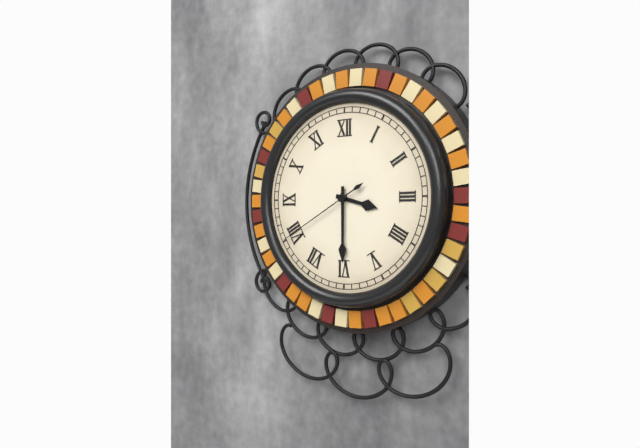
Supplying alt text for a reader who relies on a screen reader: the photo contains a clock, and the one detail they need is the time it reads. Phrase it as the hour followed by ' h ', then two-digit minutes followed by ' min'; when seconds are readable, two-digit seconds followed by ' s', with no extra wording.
3 h 30 min 40 s
